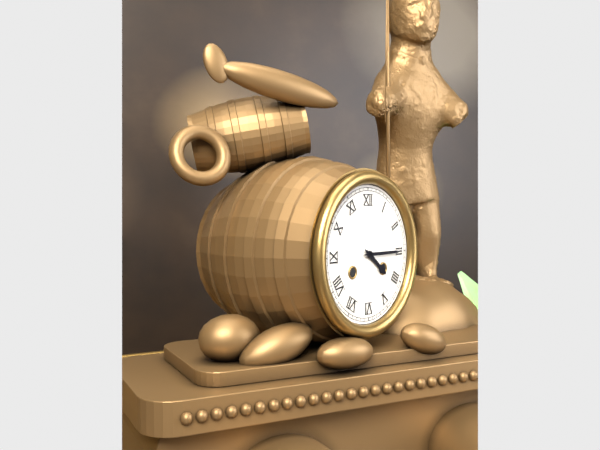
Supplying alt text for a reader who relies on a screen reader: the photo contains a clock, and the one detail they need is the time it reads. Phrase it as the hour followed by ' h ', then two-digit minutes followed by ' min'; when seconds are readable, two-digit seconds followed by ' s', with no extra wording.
4 h 15 min
